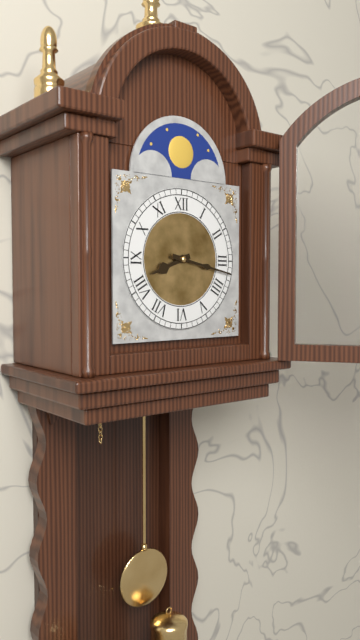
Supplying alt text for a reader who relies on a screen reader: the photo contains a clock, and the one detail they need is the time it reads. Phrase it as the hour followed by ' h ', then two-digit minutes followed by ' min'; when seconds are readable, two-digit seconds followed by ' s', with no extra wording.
8 h 17 min
